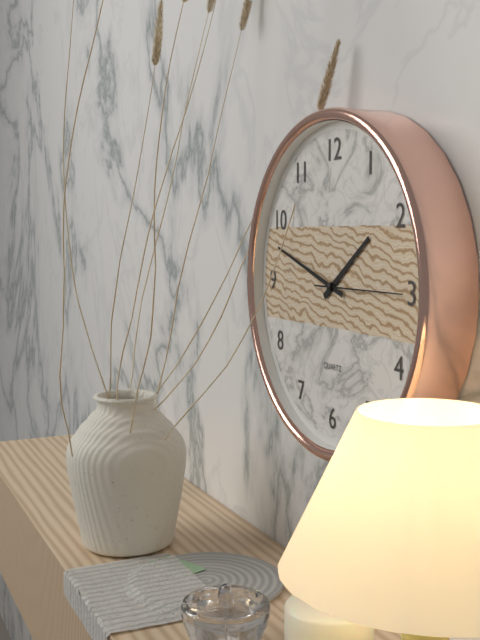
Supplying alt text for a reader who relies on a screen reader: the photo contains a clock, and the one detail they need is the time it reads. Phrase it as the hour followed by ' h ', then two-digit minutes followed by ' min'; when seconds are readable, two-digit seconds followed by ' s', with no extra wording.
1 h 48 min 15 s
